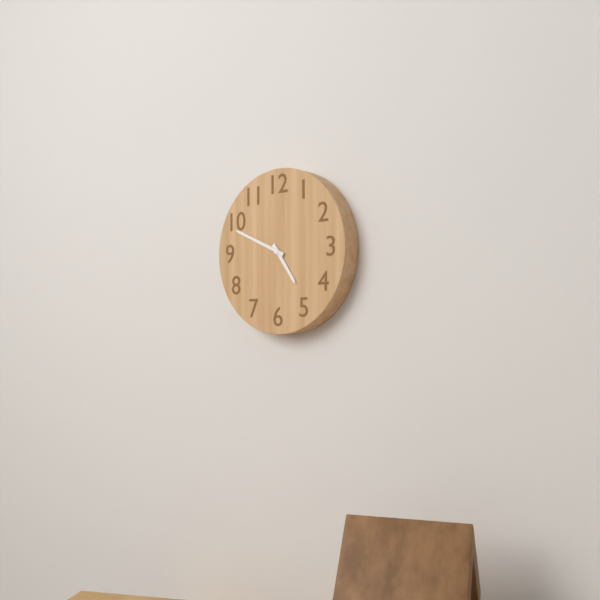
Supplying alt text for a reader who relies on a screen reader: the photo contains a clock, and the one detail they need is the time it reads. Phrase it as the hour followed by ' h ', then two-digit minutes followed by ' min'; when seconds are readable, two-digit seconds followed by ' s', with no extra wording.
4 h 49 min
